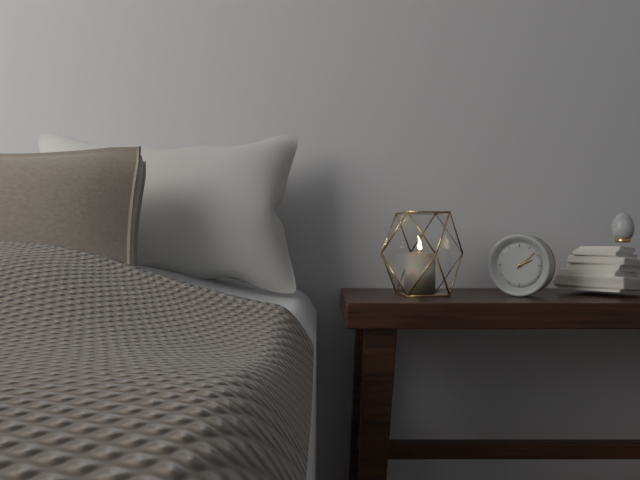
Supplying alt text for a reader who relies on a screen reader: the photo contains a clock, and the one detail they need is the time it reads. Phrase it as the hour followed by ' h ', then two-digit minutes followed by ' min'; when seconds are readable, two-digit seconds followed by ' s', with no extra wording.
2 h 08 min
